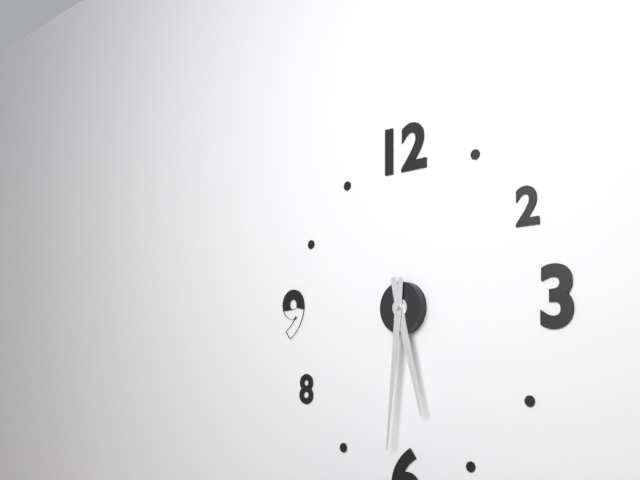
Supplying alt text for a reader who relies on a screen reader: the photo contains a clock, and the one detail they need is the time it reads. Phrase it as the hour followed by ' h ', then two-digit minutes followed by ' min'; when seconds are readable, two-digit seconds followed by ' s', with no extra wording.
5 h 31 min
